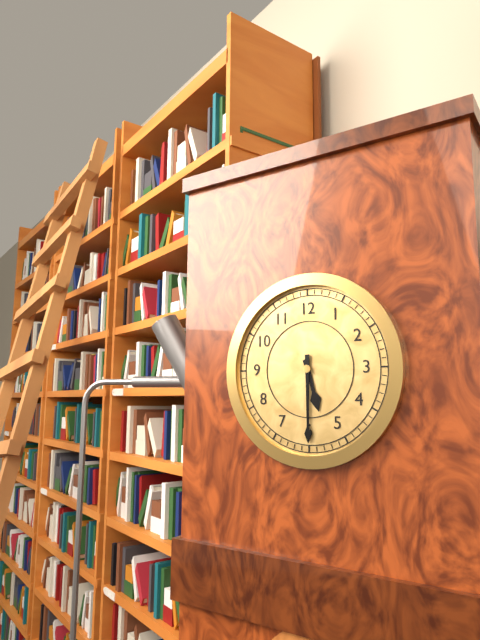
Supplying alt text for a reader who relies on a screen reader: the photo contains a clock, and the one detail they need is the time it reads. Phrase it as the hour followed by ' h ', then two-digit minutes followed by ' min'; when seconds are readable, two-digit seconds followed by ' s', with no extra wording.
5 h 30 min
